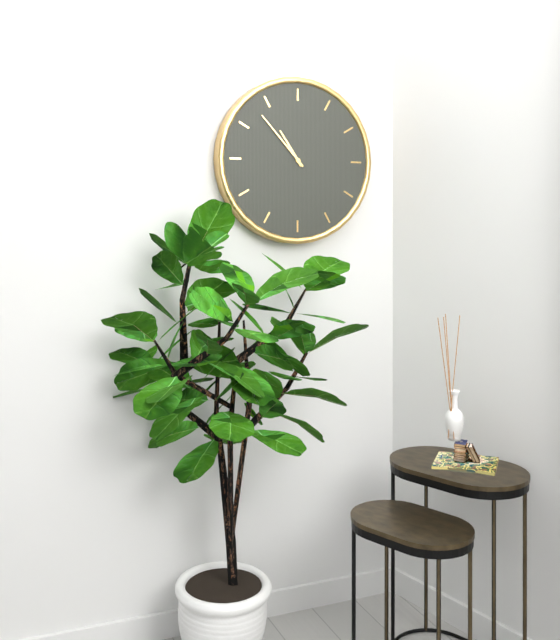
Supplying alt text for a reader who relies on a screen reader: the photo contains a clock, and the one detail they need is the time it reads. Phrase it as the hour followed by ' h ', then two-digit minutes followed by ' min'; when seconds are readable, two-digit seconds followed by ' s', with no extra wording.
10 h 53 min
